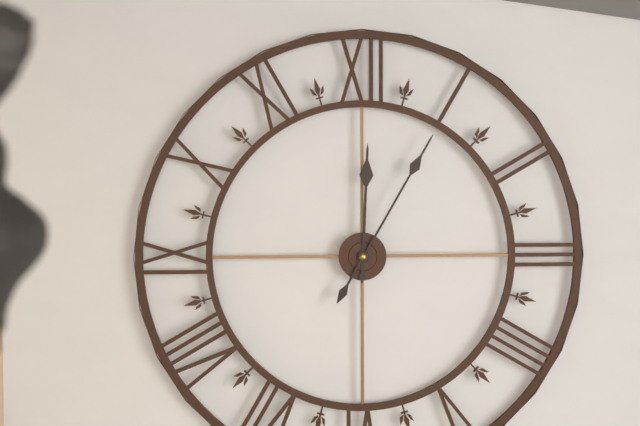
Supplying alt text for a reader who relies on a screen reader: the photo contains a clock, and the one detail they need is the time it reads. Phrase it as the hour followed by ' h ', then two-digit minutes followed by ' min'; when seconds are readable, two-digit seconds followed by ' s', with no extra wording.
12 h 05 min
